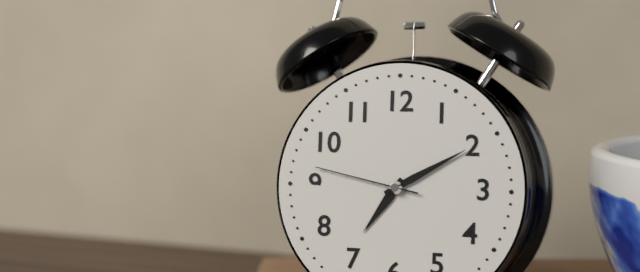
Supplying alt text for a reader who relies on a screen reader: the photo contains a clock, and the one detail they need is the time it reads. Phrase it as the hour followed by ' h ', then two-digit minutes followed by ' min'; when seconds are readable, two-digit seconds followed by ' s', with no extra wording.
7 h 10 min 47 s
